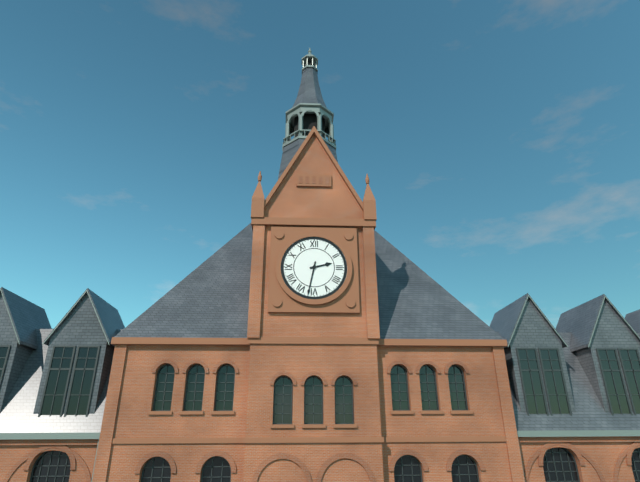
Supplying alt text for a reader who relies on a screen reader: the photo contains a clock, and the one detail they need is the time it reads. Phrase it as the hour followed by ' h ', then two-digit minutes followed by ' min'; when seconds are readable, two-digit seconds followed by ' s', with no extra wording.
2 h 32 min
